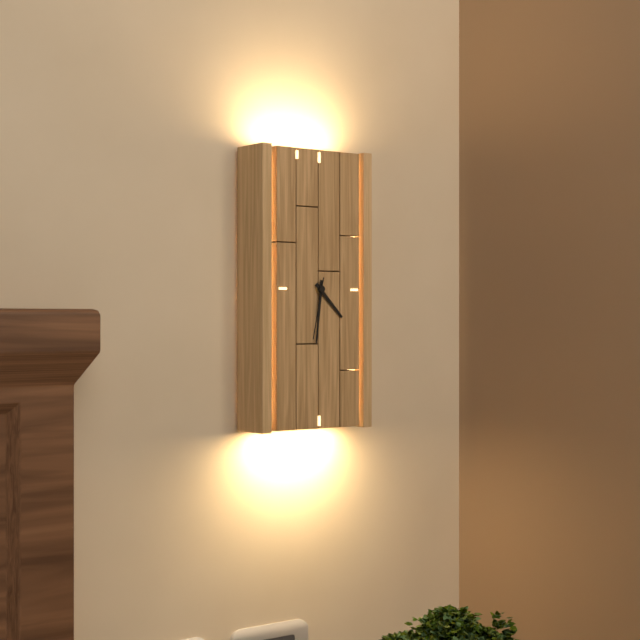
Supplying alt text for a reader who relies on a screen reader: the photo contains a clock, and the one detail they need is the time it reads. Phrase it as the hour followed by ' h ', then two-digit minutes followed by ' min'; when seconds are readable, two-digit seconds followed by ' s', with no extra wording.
4 h 31 min 32 s
